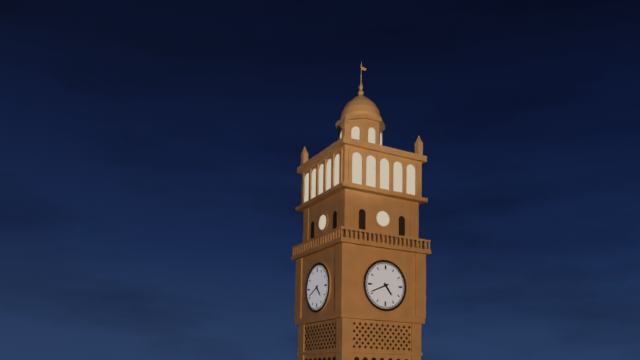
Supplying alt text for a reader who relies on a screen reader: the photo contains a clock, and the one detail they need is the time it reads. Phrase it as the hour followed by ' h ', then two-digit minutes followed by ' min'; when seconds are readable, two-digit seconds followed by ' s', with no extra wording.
4 h 41 min
